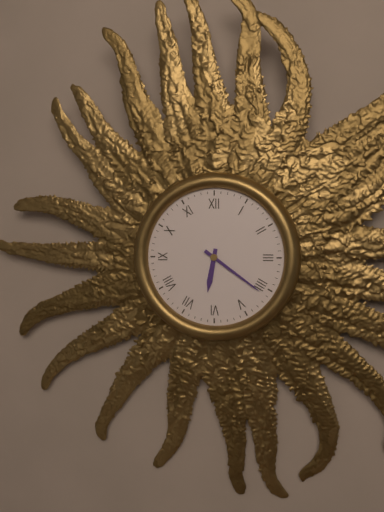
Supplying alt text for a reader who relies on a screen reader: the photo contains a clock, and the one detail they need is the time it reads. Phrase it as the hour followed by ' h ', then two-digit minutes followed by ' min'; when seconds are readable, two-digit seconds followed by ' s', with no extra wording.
6 h 21 min
